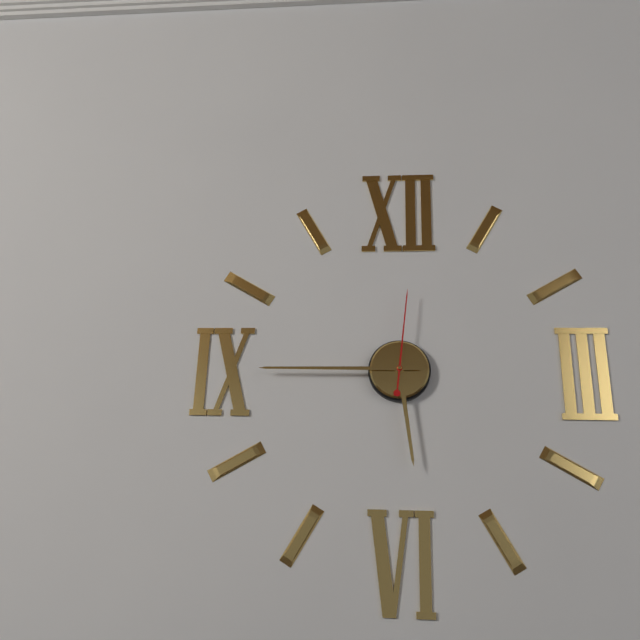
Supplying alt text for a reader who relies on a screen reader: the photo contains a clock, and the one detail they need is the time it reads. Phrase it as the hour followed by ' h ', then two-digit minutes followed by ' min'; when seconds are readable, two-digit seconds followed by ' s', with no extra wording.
5 h 45 min 01 s
